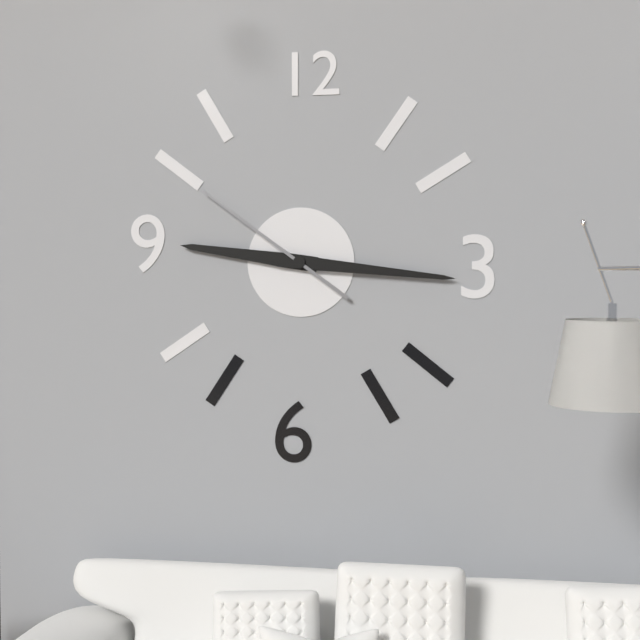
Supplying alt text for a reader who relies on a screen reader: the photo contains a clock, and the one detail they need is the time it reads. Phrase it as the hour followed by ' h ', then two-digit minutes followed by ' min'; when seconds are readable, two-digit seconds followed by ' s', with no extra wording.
9 h 16 min 51 s
